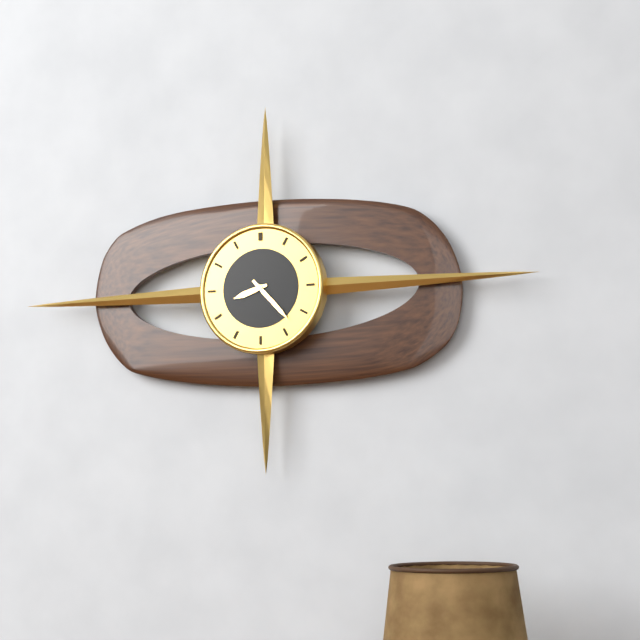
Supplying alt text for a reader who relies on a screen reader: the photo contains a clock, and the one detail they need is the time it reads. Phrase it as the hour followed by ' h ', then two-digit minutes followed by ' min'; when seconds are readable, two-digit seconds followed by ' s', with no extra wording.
8 h 23 min
